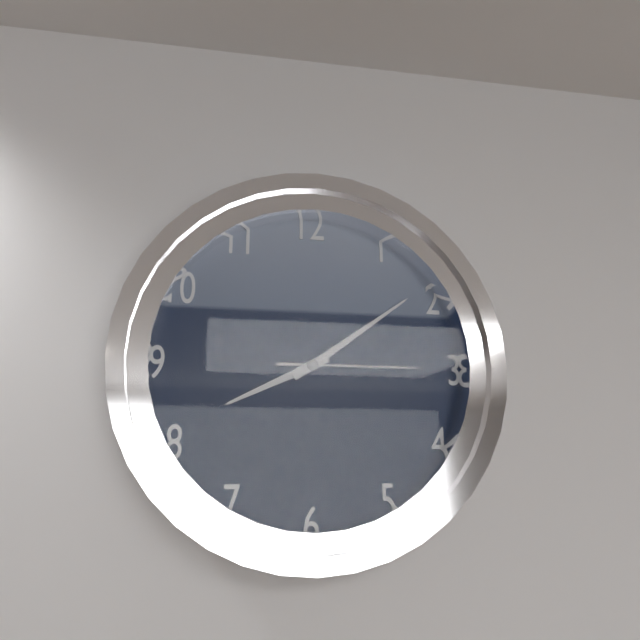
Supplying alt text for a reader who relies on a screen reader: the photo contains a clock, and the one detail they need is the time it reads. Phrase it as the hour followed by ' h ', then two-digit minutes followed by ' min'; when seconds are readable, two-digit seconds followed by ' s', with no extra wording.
8 h 09 min 15 s
